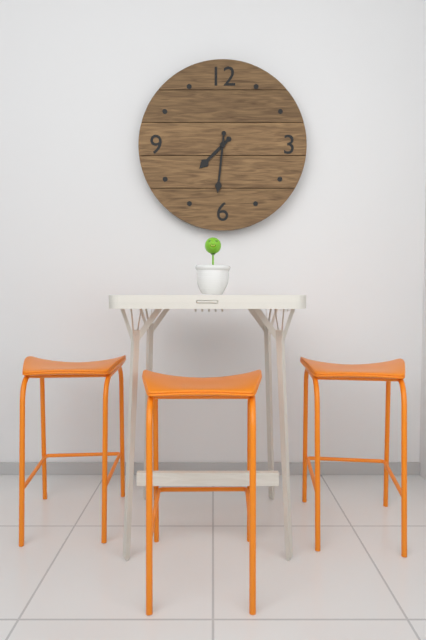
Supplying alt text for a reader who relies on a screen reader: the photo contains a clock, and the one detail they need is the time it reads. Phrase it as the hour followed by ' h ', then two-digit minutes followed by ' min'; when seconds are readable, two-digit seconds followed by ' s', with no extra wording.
7 h 31 min
